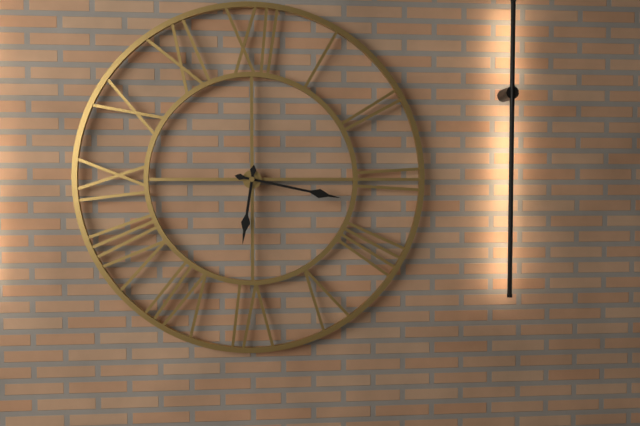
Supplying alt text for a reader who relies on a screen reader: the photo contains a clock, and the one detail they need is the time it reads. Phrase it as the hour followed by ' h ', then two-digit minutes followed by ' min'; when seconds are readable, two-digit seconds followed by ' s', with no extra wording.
6 h 17 min
